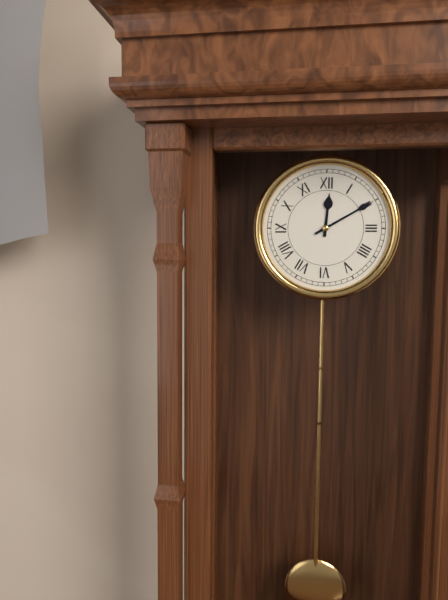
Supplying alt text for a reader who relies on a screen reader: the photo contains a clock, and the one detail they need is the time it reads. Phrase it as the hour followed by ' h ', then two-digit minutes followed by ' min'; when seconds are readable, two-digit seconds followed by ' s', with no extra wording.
12 h 10 min
